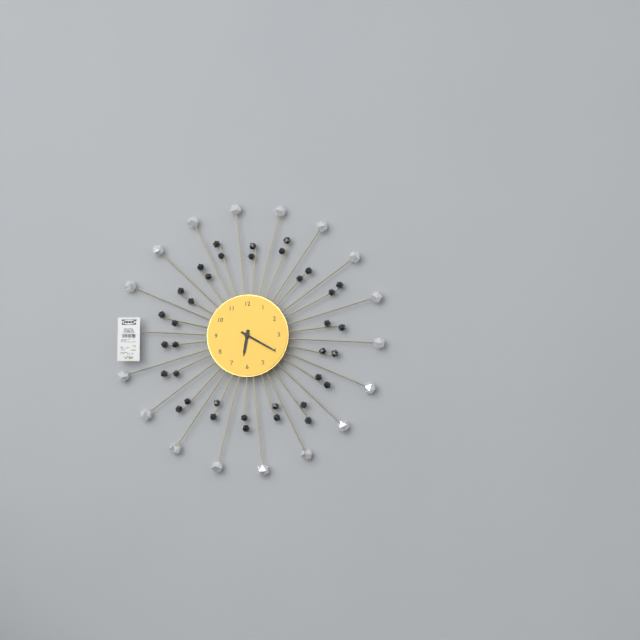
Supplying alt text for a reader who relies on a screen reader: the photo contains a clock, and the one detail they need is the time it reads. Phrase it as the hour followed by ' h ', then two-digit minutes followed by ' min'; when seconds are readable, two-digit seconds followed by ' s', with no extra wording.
6 h 20 min
